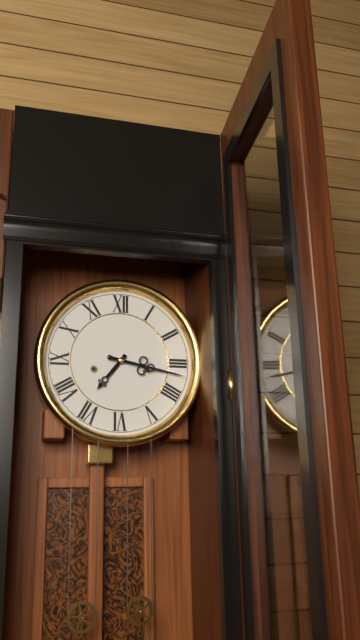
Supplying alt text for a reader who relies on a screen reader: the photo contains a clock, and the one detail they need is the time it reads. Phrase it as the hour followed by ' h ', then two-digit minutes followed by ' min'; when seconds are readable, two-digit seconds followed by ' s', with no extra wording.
7 h 17 min
